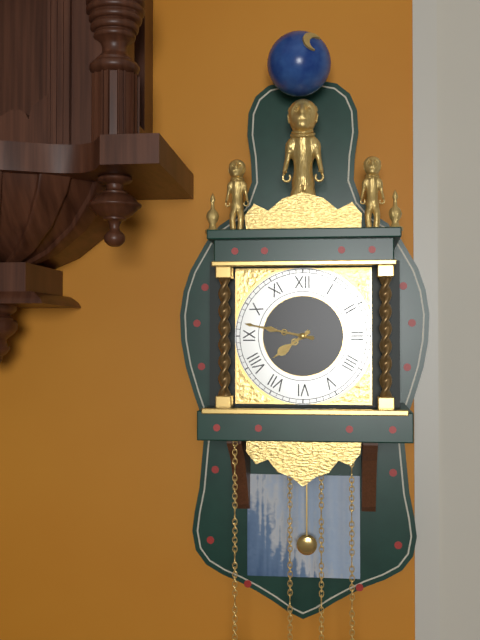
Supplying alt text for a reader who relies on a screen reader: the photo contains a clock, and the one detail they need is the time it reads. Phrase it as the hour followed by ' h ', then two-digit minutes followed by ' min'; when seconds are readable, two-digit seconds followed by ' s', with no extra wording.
7 h 47 min
